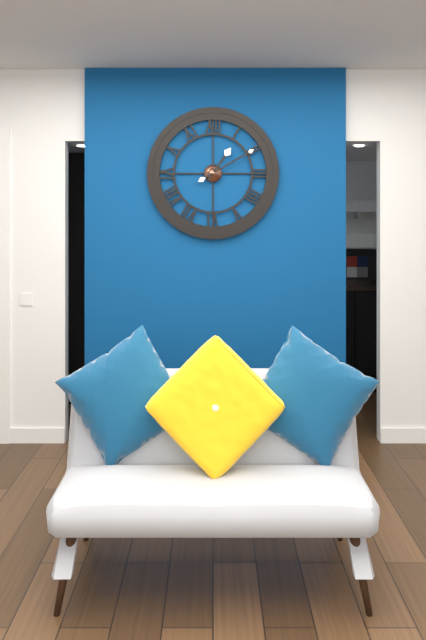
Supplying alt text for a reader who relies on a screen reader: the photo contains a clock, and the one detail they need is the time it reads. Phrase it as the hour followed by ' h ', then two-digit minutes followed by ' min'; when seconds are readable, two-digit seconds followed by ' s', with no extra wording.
1 h 10 min
